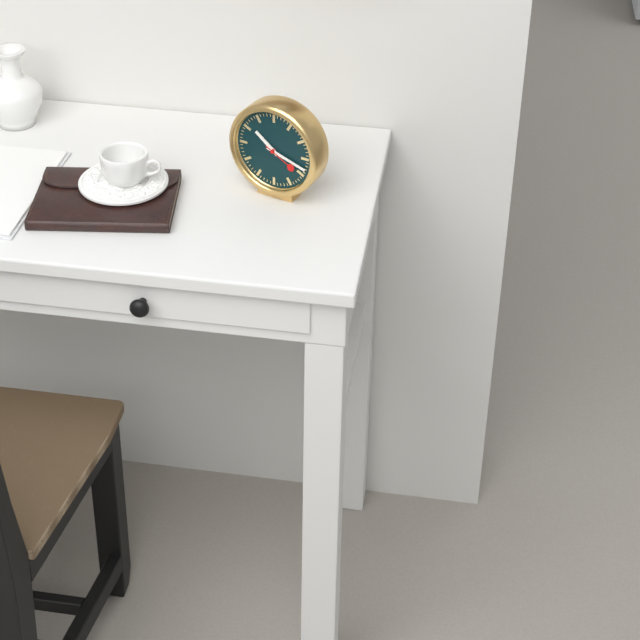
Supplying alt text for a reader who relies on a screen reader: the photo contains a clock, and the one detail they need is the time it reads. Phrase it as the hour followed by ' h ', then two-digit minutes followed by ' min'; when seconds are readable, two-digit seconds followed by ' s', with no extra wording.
10 h 18 min
